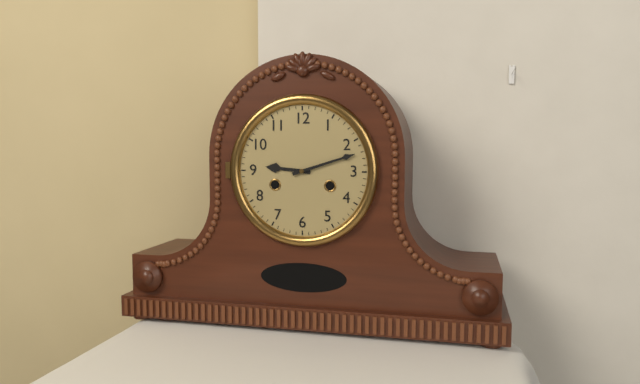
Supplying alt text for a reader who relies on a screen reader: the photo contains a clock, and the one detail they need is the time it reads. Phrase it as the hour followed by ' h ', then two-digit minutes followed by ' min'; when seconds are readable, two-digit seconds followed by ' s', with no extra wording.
9 h 12 min
